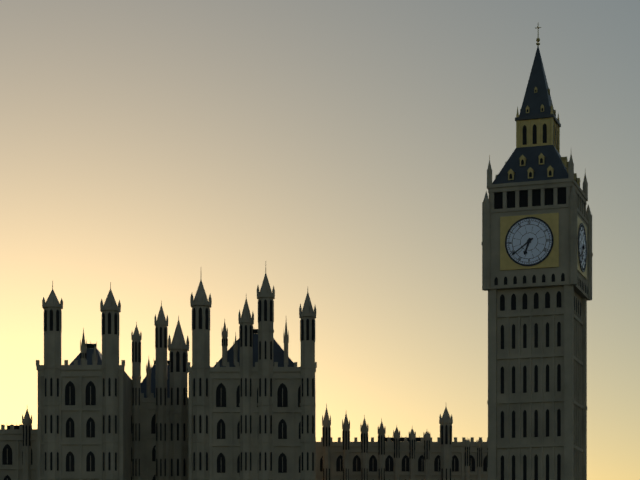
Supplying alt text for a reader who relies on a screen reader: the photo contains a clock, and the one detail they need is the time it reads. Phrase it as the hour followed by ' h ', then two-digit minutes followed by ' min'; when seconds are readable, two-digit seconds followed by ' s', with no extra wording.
6 h 39 min
